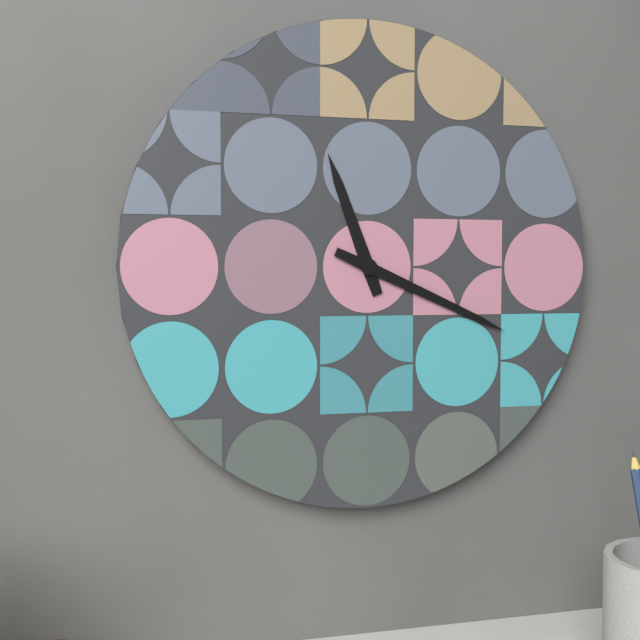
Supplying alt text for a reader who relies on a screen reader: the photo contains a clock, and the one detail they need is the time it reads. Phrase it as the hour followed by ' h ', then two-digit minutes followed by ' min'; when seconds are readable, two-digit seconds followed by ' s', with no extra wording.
11 h 19 min
